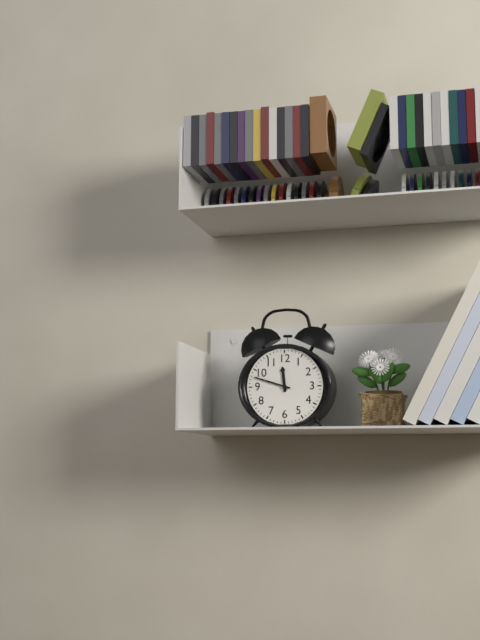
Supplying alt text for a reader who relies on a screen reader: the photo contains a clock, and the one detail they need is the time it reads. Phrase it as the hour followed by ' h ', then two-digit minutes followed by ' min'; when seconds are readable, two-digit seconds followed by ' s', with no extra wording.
11 h 48 min
